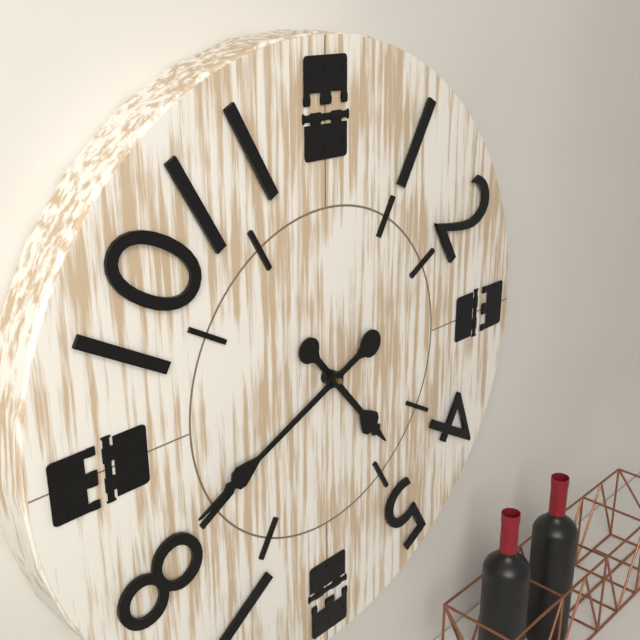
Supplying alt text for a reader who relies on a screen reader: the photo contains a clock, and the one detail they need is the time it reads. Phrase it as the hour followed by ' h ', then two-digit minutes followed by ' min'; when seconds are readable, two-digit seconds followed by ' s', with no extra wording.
4 h 41 min
